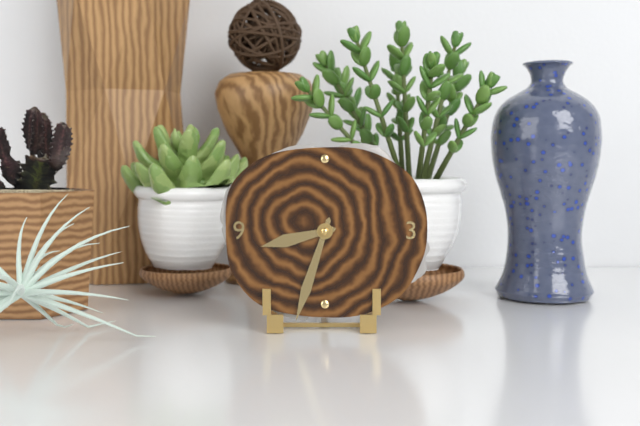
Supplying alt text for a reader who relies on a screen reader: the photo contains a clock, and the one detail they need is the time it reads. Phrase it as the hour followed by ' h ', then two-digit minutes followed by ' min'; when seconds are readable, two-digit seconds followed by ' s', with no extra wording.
8 h 33 min
